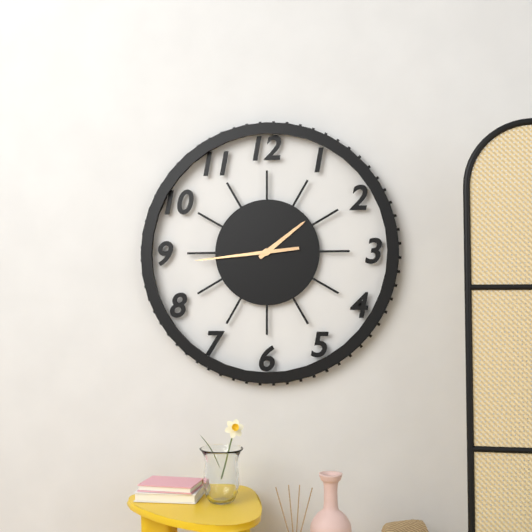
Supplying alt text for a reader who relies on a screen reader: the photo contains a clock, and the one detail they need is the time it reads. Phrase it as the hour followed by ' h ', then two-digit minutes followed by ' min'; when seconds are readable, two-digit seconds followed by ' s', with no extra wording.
1 h 44 min
